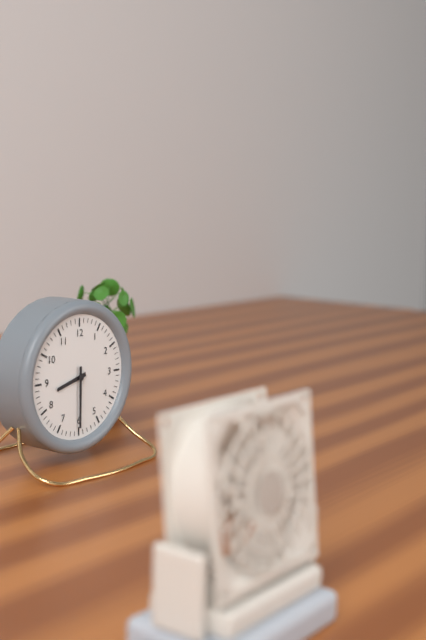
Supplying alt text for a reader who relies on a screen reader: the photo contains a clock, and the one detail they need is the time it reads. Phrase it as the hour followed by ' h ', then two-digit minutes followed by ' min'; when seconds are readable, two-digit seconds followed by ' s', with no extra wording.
8 h 30 min
